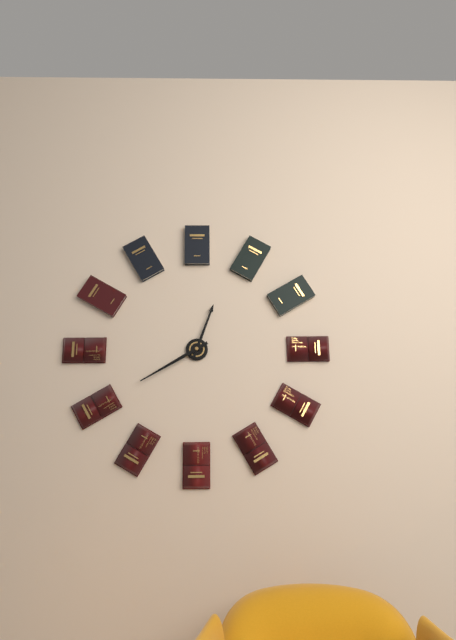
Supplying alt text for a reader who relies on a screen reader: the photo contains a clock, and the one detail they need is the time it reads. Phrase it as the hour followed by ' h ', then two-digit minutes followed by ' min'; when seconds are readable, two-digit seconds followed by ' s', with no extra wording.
12 h 40 min
